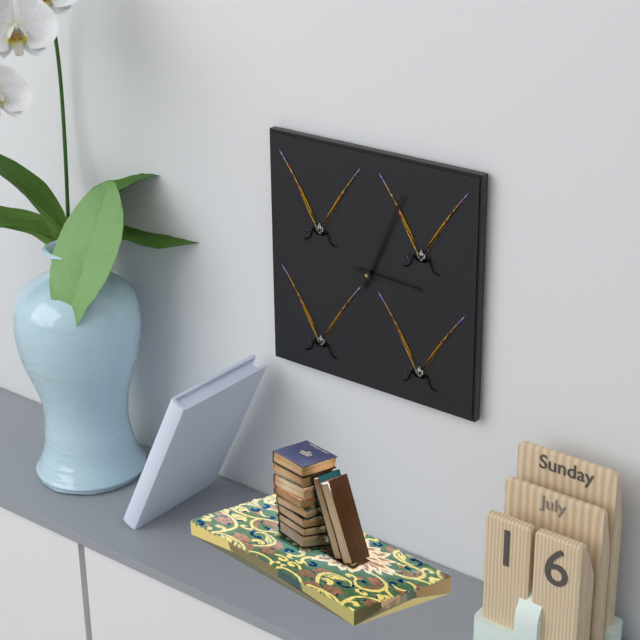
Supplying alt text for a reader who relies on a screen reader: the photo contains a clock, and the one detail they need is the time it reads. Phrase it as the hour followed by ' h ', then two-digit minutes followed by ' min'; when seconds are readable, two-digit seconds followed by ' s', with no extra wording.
3 h 04 min
